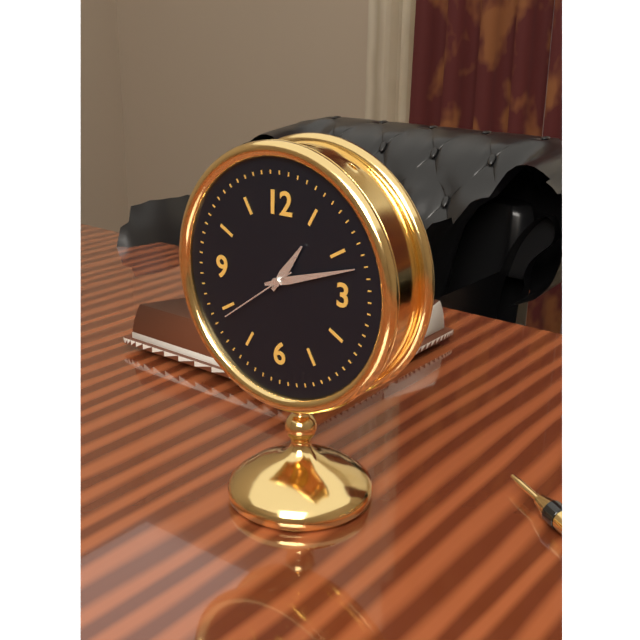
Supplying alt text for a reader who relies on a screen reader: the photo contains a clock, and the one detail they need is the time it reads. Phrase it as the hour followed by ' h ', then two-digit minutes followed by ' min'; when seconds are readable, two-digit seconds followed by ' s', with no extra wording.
1 h 12 min 39 s
